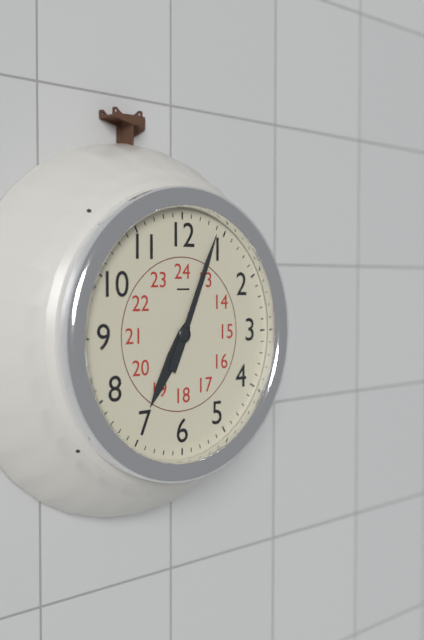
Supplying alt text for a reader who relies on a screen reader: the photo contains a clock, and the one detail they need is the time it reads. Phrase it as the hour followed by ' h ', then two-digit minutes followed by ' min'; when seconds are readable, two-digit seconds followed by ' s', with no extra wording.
7 h 04 min
